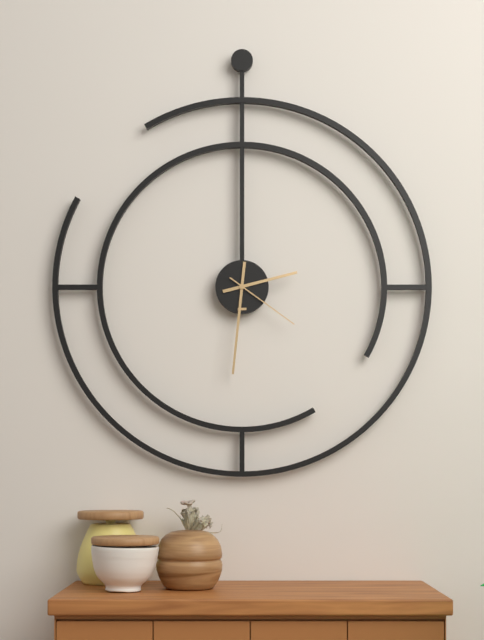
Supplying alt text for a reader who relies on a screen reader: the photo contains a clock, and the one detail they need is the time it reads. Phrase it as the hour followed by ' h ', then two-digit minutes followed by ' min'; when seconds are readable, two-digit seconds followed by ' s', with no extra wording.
2 h 31 min 21 s
